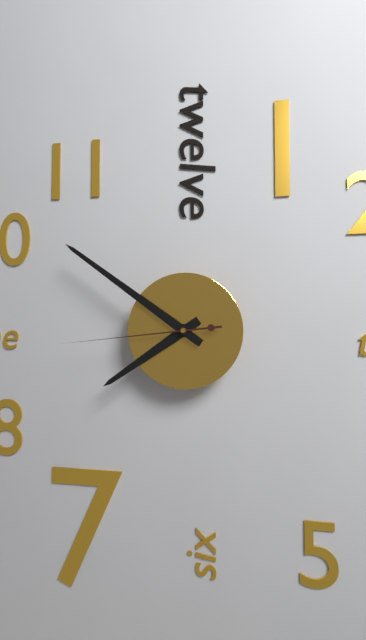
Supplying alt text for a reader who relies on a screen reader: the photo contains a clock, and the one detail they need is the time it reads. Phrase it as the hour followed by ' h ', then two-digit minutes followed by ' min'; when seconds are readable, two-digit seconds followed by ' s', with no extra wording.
7 h 51 min 44 s
